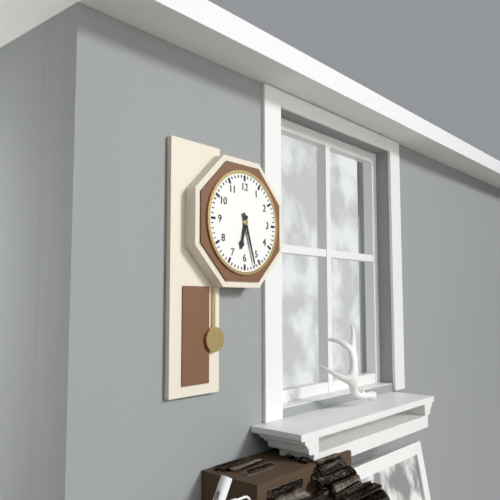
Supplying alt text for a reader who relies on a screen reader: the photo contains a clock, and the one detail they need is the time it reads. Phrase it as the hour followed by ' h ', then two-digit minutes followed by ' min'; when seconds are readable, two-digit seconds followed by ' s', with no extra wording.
6 h 27 min
